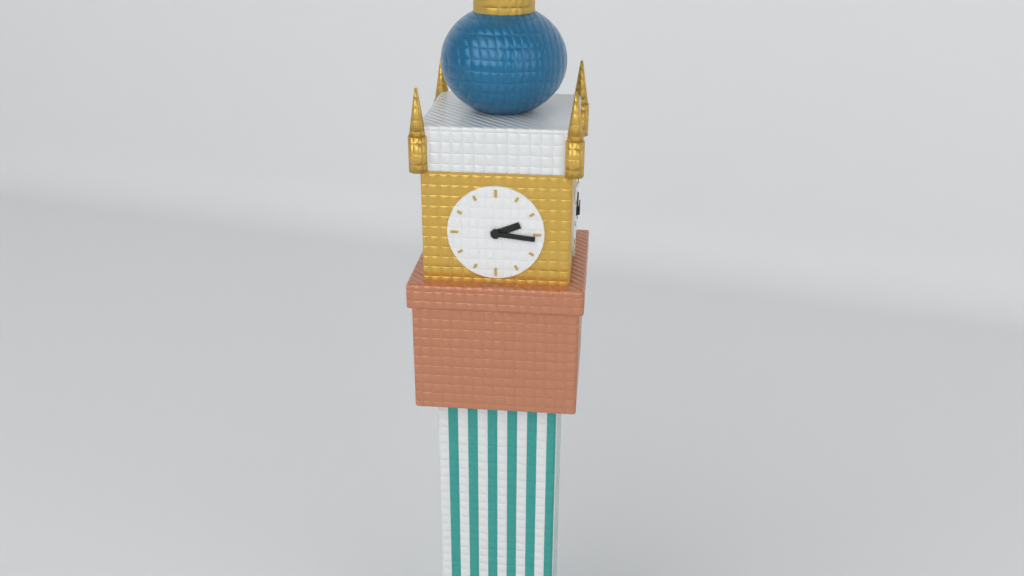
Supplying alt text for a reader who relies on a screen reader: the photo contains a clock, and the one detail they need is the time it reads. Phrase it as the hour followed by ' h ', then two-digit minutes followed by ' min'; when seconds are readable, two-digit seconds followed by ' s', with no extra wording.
2 h 16 min
